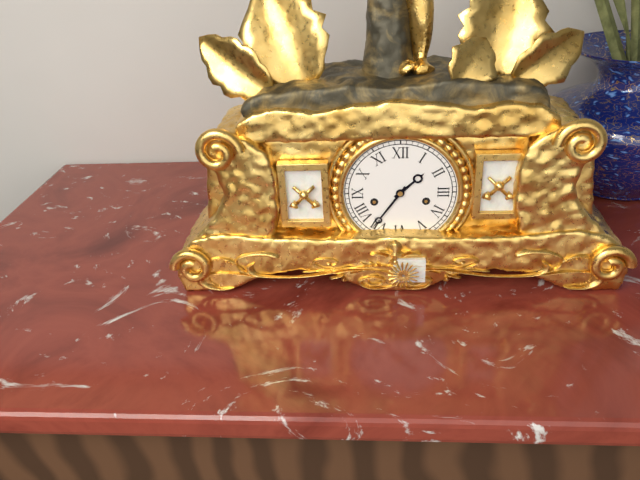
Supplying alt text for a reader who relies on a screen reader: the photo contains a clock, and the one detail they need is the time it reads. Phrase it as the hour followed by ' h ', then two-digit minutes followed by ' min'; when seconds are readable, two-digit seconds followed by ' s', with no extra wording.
1 h 36 min
